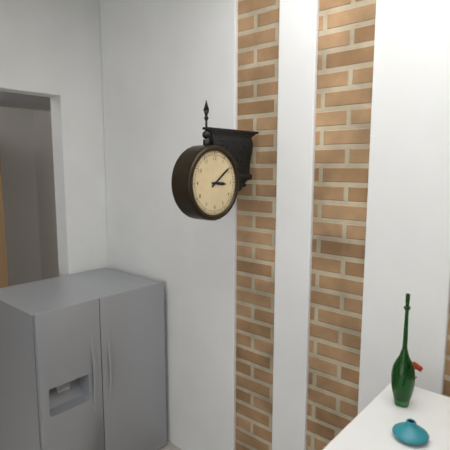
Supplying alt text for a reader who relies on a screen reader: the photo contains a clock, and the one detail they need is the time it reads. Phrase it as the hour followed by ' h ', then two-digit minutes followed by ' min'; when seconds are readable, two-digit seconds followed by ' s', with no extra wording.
3 h 09 min
